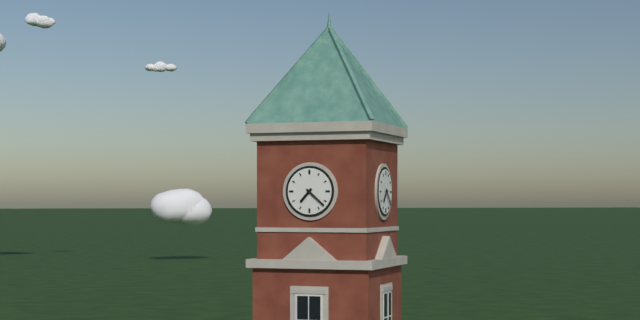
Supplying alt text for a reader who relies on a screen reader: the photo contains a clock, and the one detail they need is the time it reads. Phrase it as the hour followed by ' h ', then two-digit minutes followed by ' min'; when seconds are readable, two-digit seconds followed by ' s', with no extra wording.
7 h 22 min
